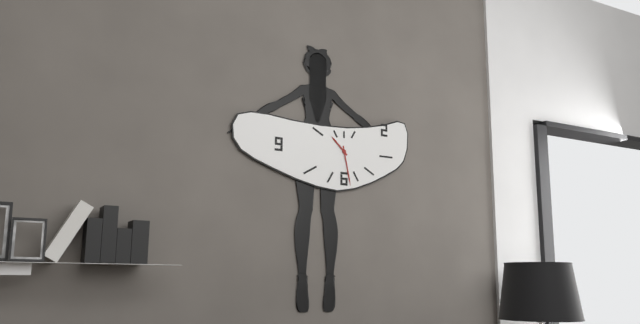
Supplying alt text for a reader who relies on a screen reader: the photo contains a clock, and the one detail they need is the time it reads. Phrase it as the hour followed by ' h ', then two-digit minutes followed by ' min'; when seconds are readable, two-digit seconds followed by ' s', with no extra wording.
10 h 28 min
